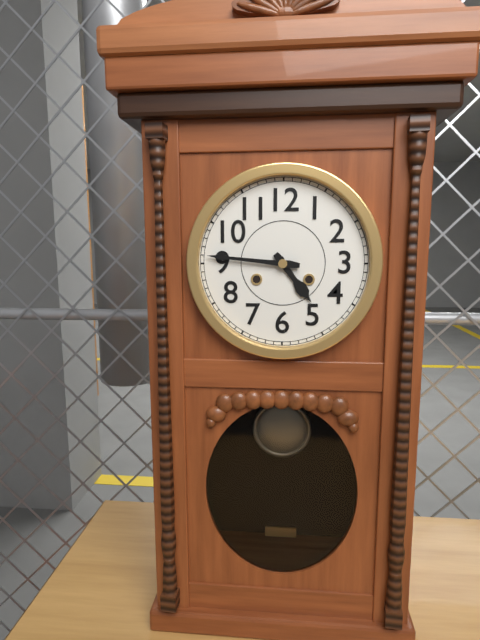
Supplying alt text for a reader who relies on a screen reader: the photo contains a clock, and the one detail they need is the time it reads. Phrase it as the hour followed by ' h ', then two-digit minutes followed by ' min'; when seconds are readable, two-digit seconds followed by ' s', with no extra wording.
4 h 46 min
